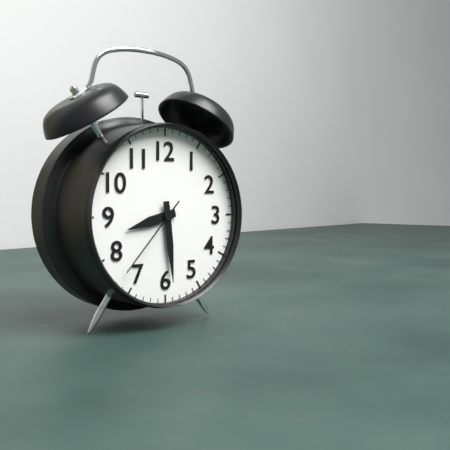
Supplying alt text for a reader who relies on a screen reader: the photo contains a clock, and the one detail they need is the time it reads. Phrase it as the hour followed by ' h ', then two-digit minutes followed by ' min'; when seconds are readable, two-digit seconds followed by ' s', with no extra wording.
8 h 29 min 37 s
